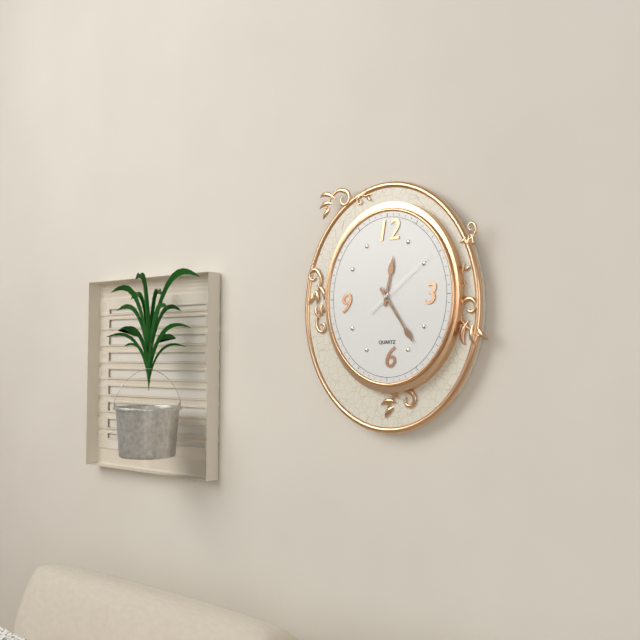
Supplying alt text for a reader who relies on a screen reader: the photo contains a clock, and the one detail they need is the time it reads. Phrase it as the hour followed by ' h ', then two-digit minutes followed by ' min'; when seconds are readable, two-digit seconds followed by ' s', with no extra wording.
12 h 24 min 09 s
